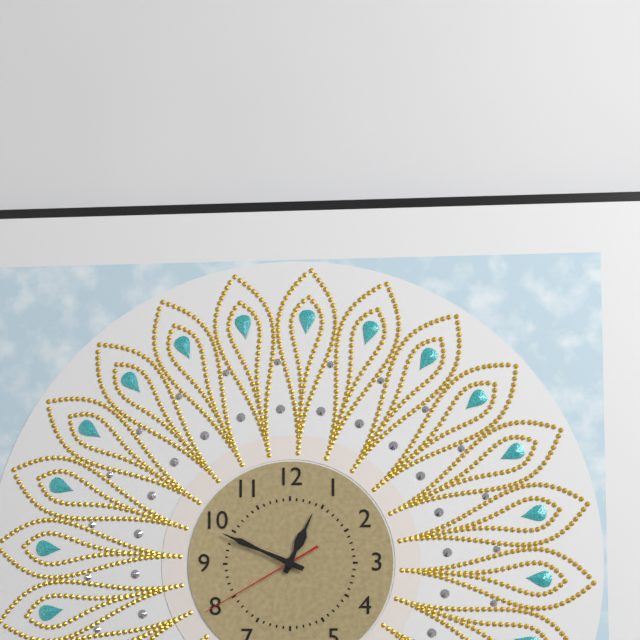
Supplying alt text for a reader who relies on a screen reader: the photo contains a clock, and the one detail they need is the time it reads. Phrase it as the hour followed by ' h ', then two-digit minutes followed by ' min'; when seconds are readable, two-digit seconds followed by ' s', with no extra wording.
12 h 49 min 40 s
